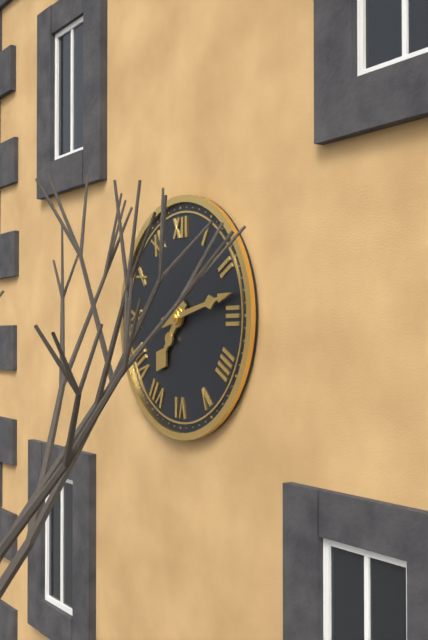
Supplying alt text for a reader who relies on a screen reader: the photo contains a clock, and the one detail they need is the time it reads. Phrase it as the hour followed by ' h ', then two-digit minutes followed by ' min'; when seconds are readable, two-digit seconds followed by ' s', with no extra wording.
7 h 13 min
